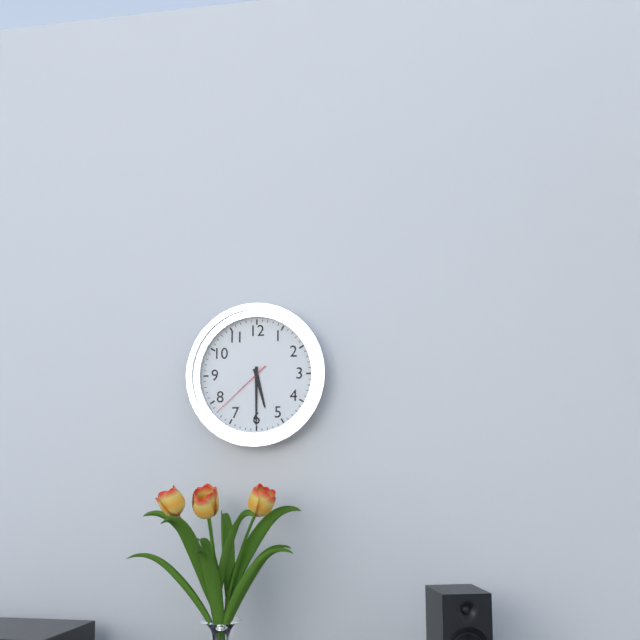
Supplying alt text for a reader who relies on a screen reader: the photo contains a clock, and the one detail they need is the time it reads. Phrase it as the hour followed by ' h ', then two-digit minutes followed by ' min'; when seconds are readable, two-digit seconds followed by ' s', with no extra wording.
5 h 30 min 38 s
